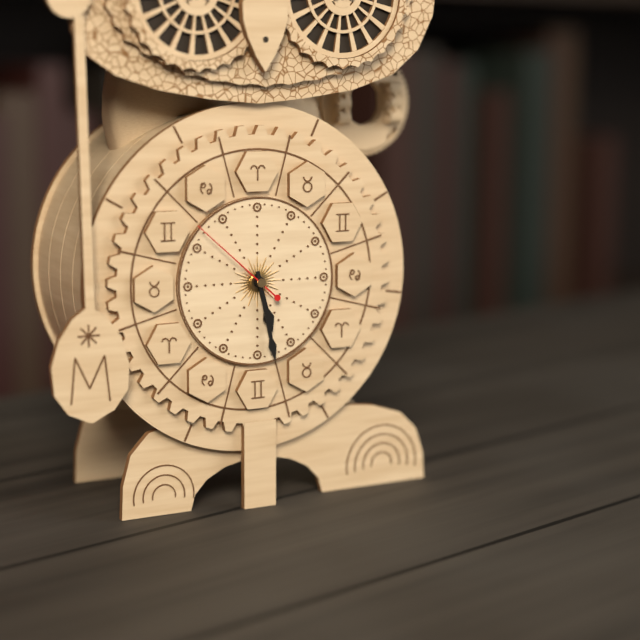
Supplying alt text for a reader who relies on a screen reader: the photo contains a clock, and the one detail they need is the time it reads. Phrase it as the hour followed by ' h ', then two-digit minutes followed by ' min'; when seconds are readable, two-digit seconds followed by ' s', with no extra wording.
5 h 28 min 52 s
